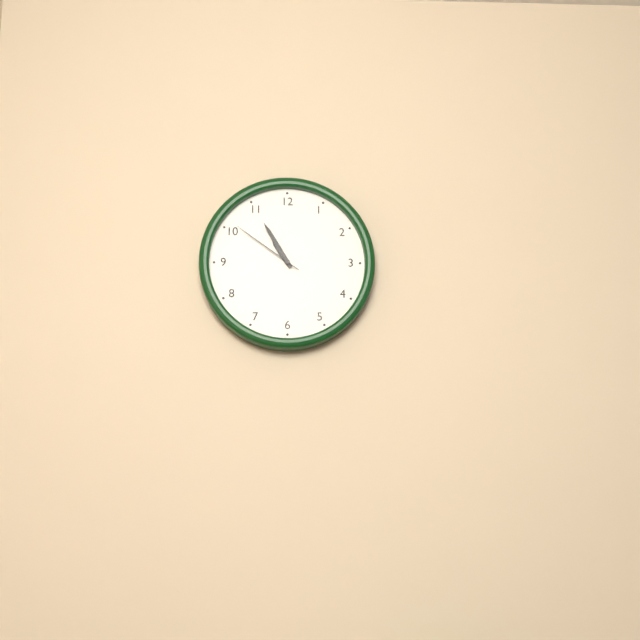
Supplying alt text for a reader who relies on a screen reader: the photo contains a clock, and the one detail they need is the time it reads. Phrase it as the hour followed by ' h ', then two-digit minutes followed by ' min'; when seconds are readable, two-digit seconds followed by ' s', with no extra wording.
10 h 55 min 51 s
